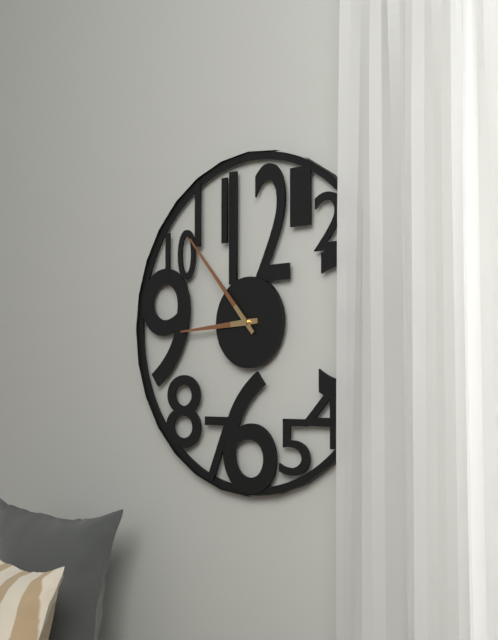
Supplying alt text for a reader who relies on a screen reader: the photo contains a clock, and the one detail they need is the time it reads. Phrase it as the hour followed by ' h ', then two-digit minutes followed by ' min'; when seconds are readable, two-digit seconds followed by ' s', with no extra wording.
8 h 53 min
